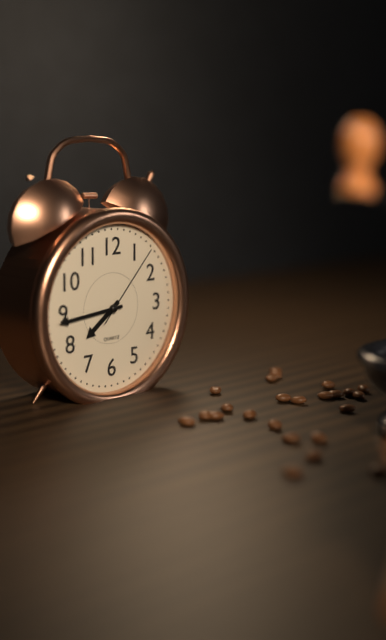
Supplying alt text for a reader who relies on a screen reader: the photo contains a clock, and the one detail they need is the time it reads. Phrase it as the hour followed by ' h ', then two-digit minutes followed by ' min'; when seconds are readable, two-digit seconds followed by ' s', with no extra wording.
7 h 44 min 07 s
